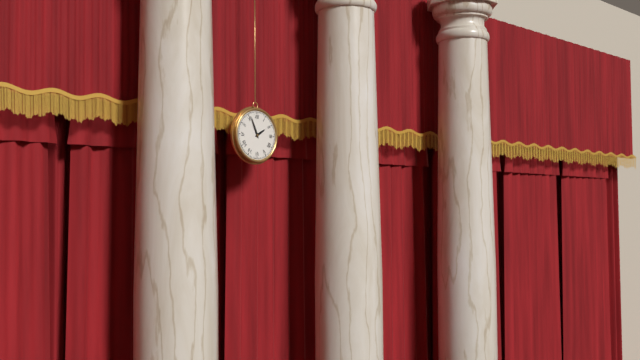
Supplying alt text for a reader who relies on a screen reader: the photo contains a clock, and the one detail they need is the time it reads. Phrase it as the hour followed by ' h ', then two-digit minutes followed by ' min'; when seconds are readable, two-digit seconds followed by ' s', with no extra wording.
1 h 56 min
